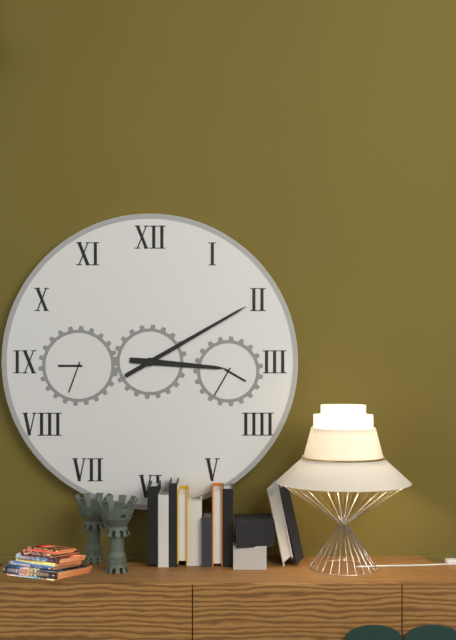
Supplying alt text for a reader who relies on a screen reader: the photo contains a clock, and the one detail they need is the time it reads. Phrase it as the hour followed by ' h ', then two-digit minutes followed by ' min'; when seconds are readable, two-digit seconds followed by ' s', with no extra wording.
3 h 10 min
